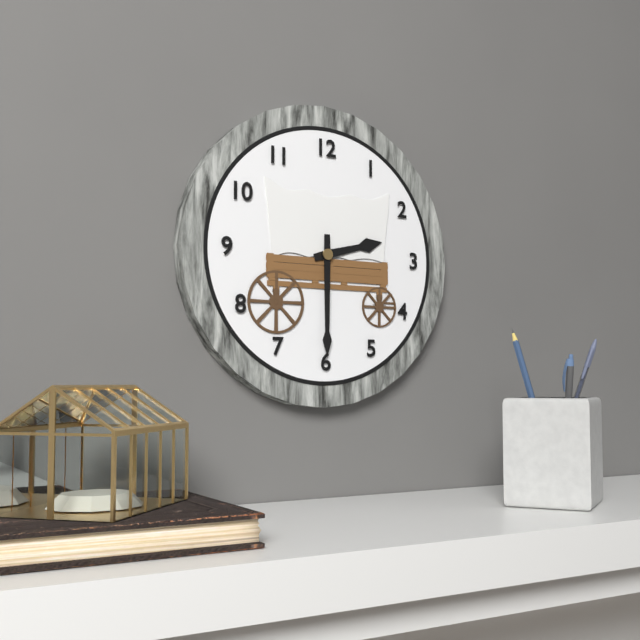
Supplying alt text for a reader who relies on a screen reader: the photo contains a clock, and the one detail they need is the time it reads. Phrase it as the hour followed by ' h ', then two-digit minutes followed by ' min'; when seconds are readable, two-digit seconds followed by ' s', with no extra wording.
2 h 30 min
